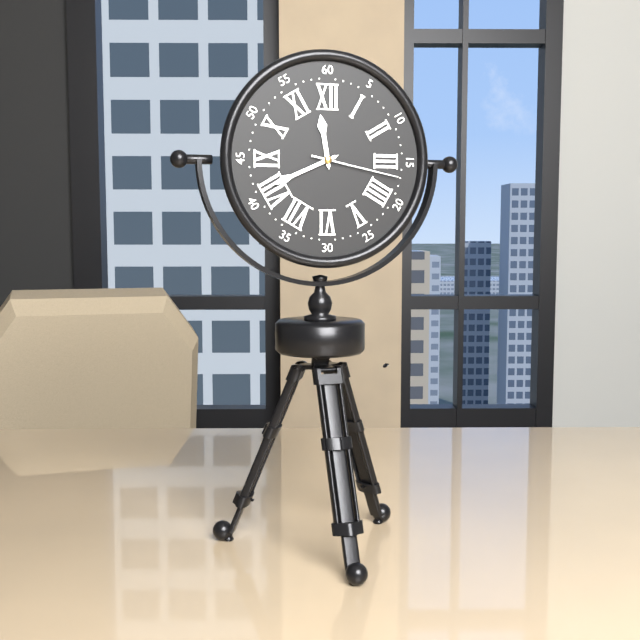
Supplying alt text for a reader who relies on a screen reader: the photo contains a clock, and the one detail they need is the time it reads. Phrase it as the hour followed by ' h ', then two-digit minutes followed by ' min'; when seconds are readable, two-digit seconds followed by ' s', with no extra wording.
11 h 41 min 17 s
